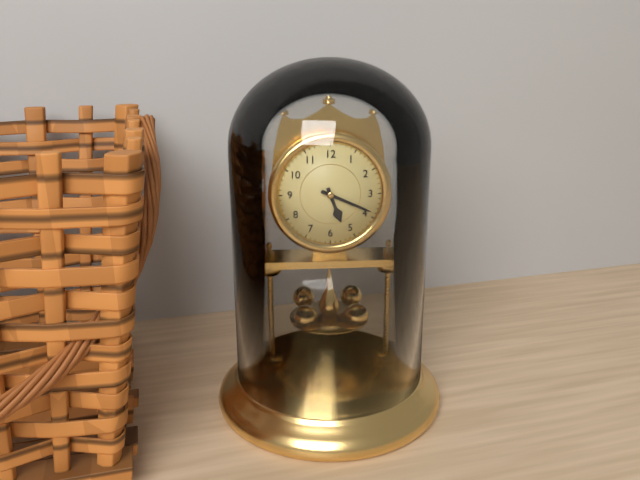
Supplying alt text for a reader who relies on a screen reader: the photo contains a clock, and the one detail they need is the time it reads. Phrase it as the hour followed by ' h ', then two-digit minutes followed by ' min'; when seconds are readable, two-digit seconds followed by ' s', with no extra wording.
5 h 19 min
